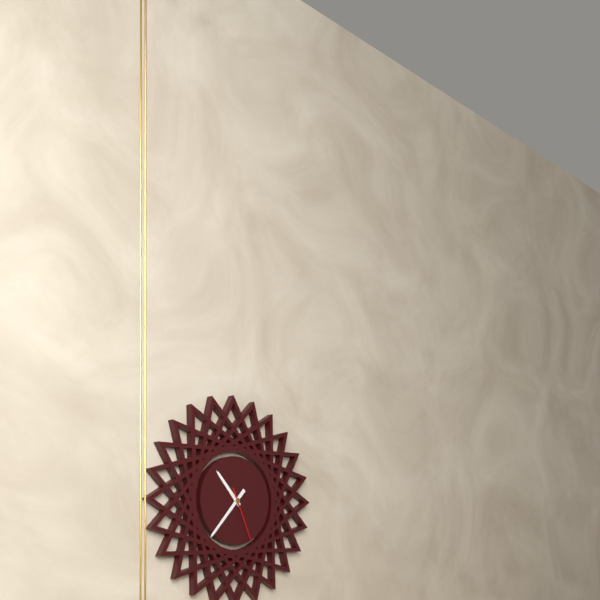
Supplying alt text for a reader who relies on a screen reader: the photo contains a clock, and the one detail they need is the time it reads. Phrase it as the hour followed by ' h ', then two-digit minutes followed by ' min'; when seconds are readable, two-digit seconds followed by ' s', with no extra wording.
10 h 37 min 26 s
